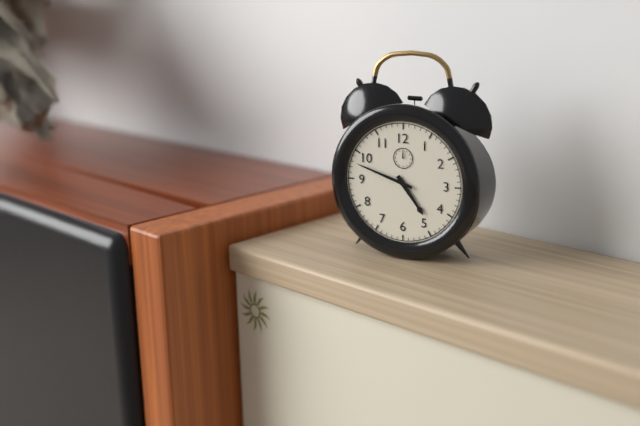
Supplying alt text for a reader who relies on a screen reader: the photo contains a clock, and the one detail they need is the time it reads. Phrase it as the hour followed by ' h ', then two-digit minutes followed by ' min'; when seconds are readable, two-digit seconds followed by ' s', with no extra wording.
4 h 48 min
